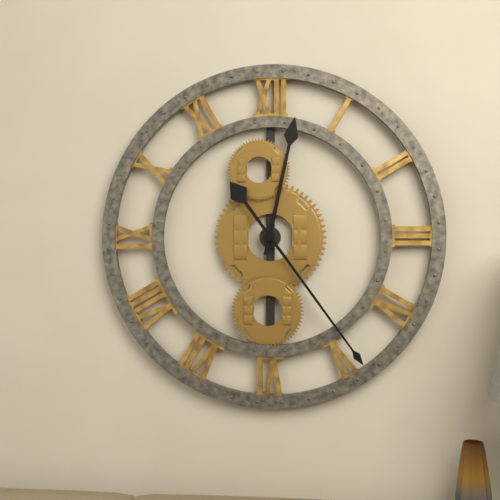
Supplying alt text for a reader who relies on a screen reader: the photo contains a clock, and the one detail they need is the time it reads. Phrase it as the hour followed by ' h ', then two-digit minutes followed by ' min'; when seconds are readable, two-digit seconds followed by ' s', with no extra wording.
12 h 24 min
